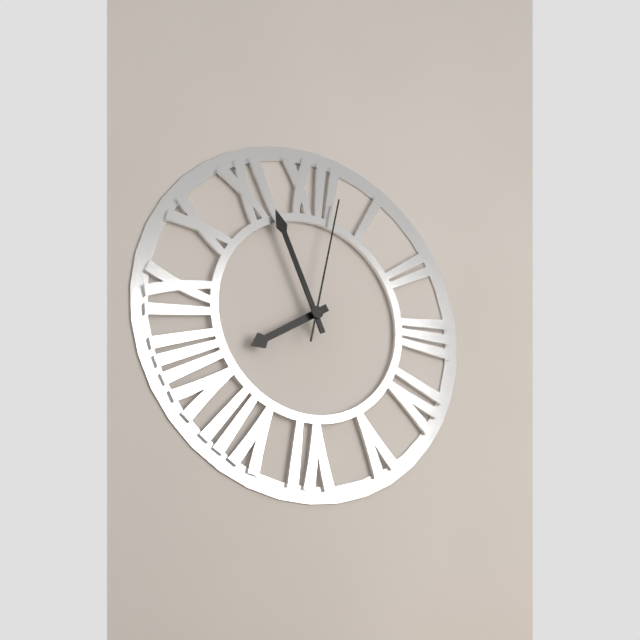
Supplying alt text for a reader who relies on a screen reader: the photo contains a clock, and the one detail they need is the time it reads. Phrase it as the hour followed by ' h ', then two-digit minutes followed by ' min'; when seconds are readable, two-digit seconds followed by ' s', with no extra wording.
7 h 56 min 02 s
